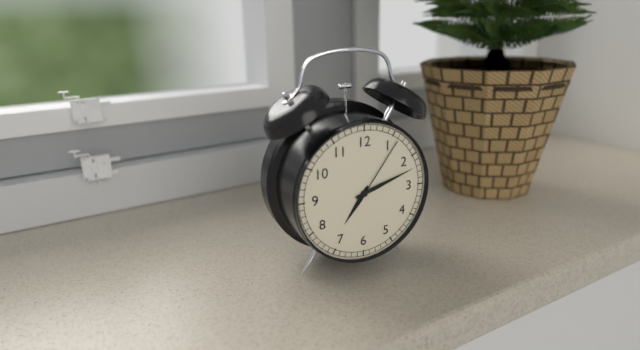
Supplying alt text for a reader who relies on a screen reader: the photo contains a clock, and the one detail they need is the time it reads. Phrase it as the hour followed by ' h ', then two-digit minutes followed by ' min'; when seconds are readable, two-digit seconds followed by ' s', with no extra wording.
7 h 12 min 06 s
